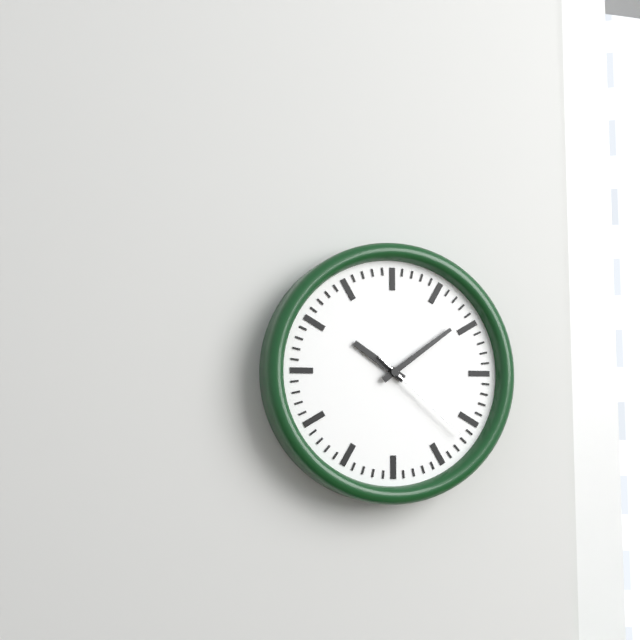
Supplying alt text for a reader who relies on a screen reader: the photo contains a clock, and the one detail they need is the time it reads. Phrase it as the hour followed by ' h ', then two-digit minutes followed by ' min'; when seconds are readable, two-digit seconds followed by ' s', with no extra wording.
10 h 09 min 22 s
